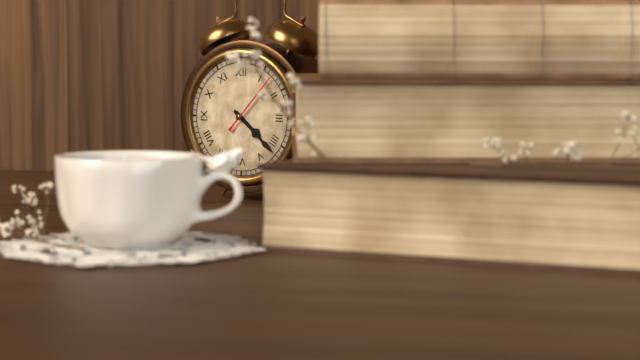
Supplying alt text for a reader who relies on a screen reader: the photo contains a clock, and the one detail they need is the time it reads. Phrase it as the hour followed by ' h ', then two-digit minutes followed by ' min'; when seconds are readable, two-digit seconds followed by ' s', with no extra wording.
4 h 22 min 07 s
